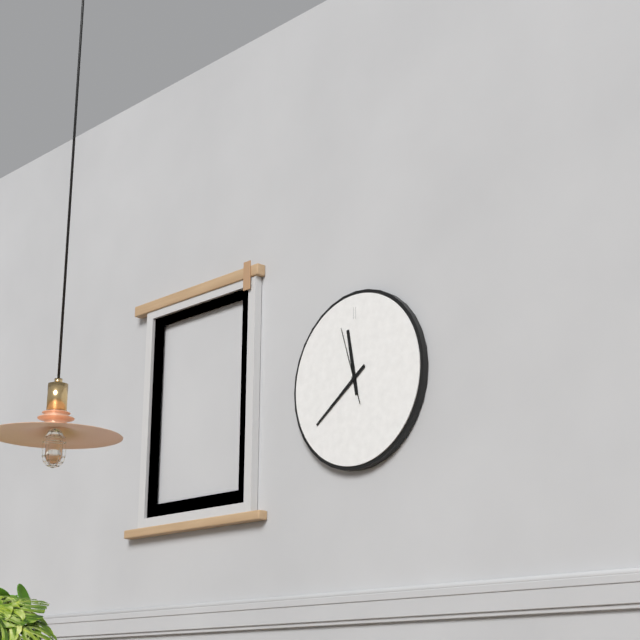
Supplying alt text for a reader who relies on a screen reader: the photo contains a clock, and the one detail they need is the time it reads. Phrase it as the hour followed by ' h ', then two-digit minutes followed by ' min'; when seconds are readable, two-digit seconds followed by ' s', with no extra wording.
11 h 39 min 57 s
